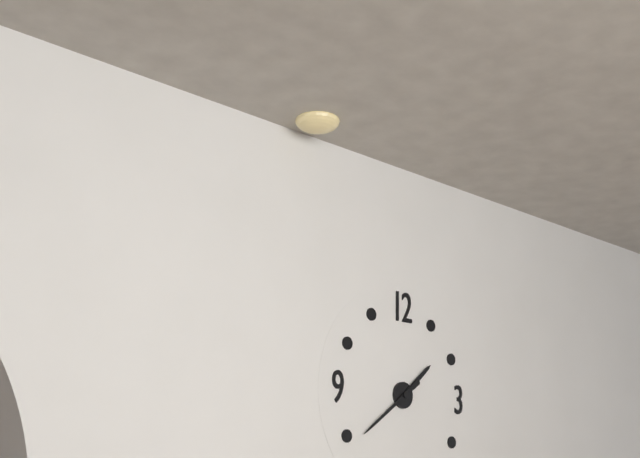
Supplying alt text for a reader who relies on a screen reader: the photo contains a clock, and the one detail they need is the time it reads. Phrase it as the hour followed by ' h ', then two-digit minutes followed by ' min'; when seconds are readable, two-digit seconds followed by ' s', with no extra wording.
1 h 39 min
